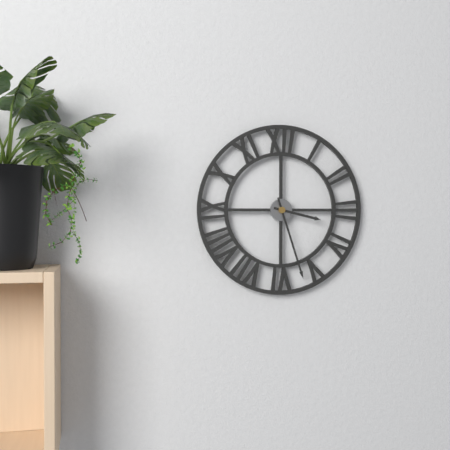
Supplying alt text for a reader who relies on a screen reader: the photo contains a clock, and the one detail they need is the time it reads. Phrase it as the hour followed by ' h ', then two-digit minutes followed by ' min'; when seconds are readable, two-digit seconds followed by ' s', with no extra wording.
3 h 27 min
